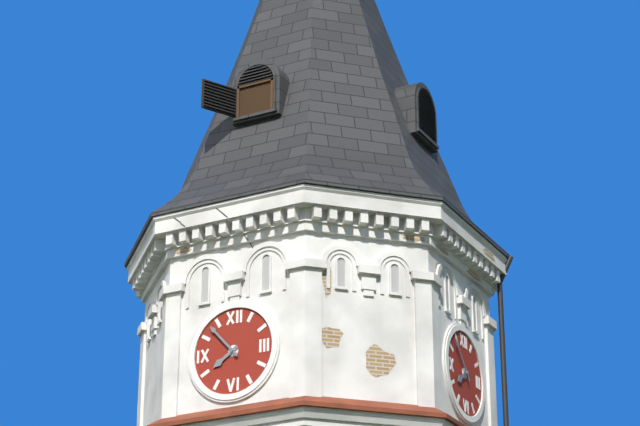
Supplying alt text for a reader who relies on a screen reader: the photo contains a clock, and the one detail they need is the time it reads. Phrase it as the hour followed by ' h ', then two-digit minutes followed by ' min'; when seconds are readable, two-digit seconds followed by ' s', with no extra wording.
7 h 53 min
